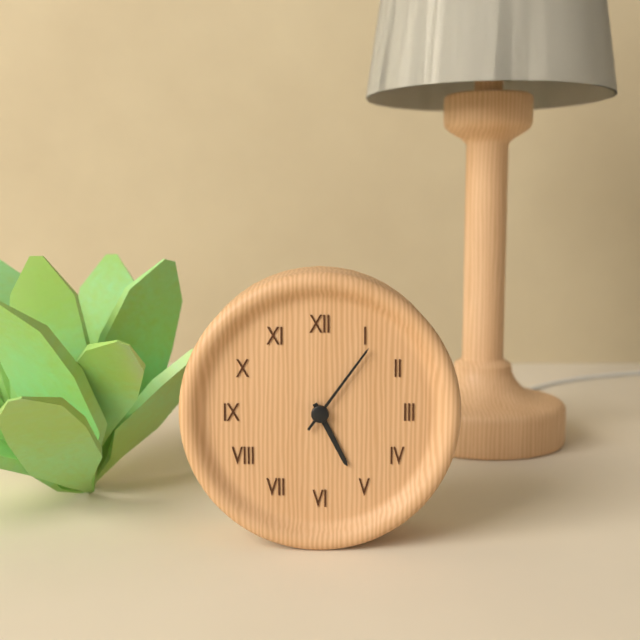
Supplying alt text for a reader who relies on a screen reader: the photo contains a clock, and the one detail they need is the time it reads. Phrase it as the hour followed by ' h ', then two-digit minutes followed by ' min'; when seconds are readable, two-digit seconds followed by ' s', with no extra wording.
5 h 06 min
